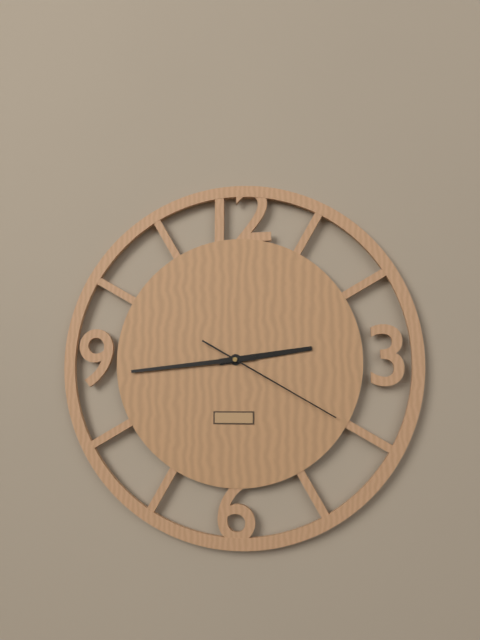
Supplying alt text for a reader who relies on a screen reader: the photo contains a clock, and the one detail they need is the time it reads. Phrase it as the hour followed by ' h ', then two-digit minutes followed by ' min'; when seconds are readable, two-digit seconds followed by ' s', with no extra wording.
2 h 44 min 20 s
